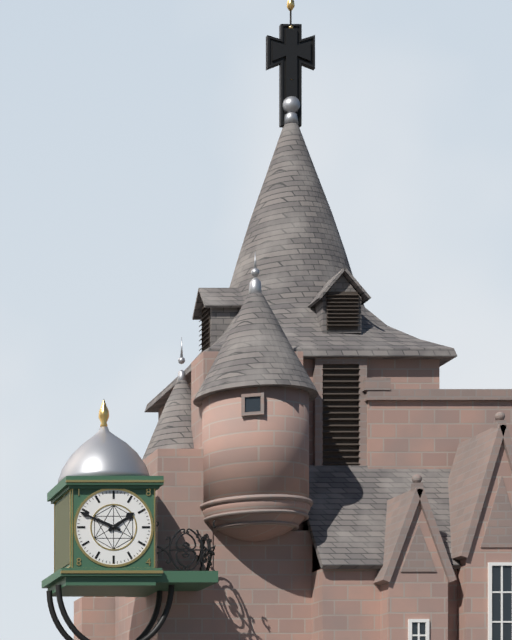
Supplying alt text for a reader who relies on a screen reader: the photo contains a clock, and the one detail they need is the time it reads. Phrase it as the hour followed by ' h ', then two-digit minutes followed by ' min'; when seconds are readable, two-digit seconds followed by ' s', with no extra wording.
1 h 49 min
